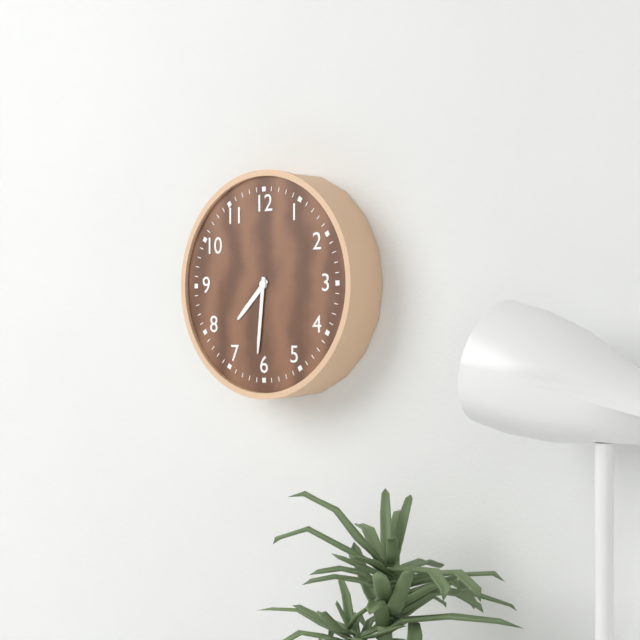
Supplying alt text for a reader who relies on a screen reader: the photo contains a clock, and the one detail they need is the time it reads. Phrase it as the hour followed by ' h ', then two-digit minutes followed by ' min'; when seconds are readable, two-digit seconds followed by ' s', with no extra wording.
7 h 31 min
